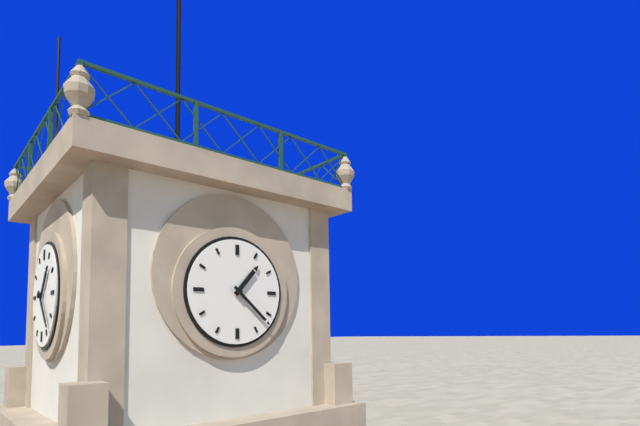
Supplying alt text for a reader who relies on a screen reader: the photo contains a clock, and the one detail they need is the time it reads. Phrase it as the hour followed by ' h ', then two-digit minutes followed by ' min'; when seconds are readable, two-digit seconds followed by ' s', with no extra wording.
1 h 22 min
